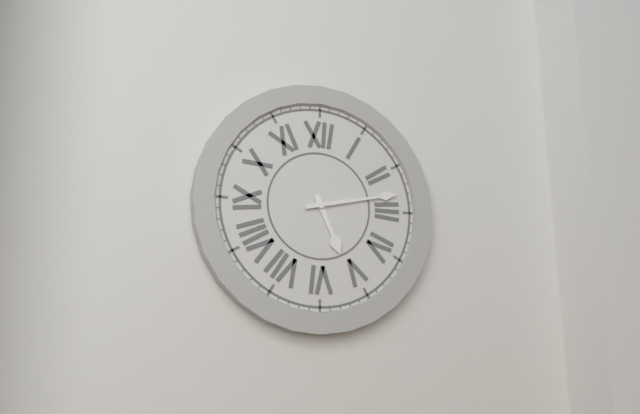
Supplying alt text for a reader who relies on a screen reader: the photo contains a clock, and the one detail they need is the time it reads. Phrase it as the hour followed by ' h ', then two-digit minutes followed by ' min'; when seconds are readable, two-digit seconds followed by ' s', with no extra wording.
5 h 13 min
